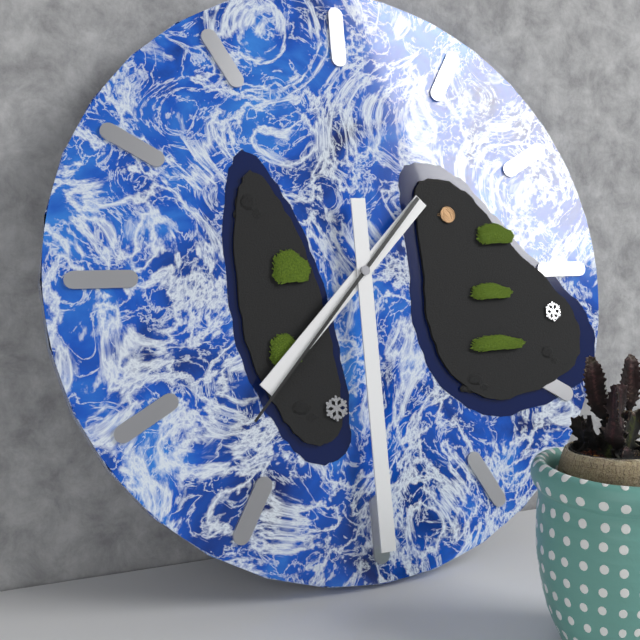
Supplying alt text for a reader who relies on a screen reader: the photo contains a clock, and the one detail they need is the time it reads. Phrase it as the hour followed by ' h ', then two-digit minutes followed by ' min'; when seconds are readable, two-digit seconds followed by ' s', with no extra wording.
7 h 30 min 37 s
